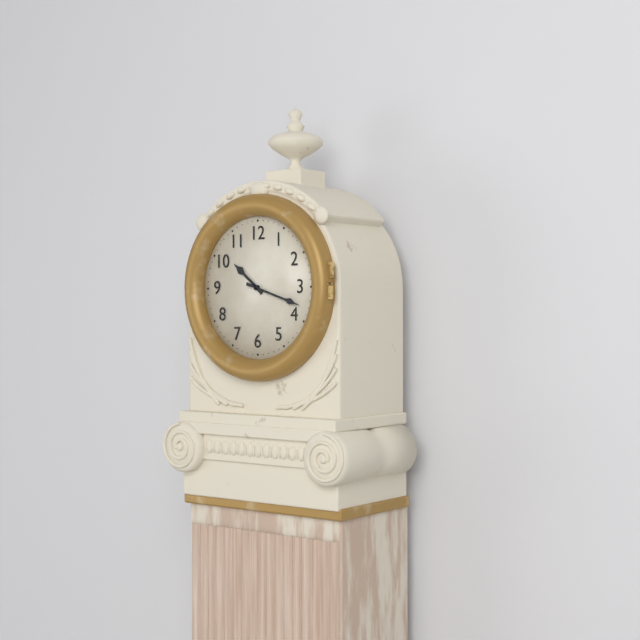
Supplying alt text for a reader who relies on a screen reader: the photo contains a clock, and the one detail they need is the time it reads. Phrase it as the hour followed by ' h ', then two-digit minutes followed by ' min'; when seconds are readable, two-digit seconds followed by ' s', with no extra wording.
10 h 18 min
